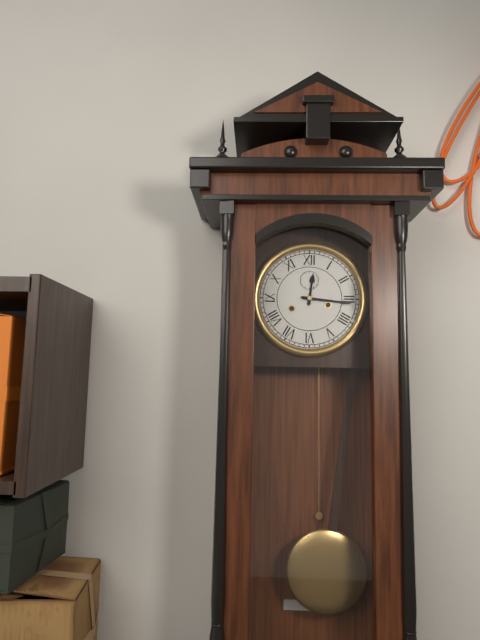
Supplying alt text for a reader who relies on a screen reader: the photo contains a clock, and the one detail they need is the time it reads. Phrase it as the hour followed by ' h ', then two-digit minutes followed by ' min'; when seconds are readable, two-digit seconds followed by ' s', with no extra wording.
12 h 16 min
